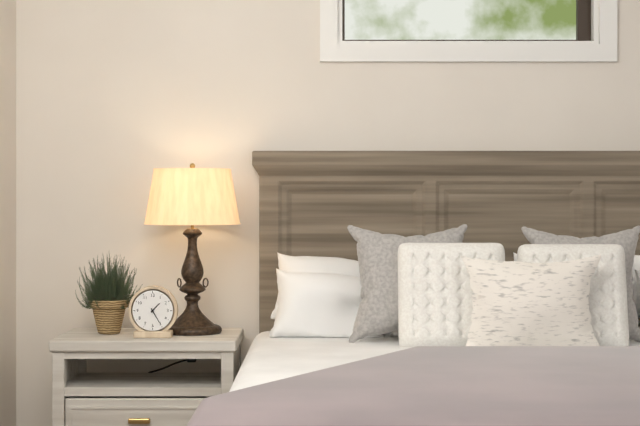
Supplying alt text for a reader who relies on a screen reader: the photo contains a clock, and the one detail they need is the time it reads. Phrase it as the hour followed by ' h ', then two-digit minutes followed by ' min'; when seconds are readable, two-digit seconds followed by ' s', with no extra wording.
1 h 25 min
